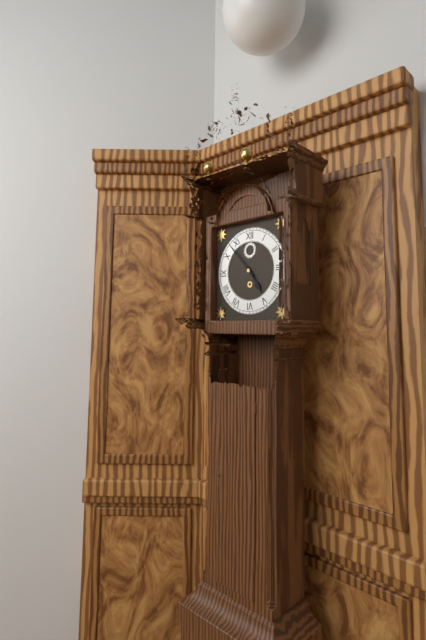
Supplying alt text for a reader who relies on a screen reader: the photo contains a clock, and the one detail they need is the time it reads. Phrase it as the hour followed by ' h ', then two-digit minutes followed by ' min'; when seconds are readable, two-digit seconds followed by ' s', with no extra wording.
4 h 53 min
